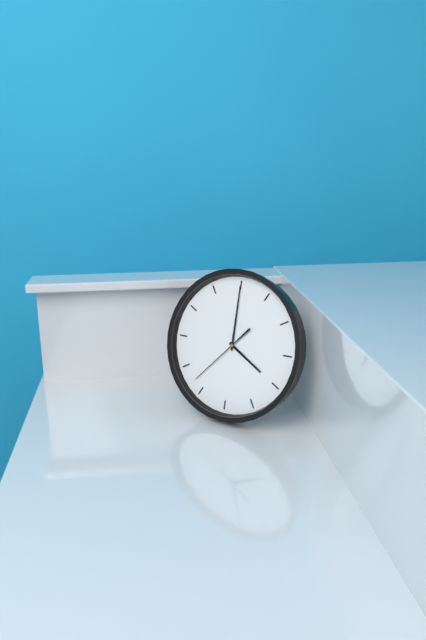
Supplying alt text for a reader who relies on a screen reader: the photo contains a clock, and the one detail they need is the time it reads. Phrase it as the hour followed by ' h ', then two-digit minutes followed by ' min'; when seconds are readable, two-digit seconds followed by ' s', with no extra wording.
4 h 00 min 37 s
